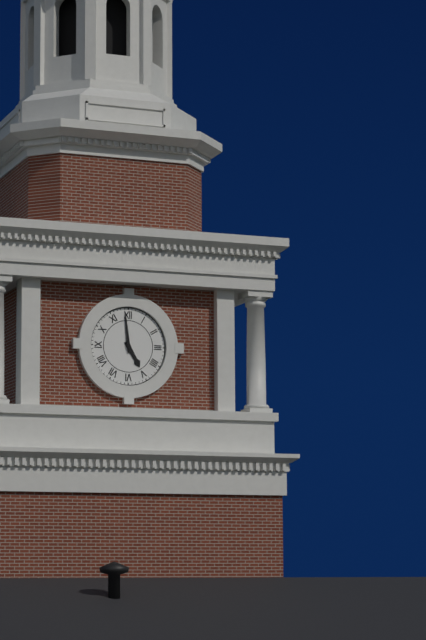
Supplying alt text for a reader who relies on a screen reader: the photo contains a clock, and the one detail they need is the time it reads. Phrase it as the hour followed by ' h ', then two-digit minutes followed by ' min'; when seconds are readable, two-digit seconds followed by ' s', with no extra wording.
4 h 59 min
